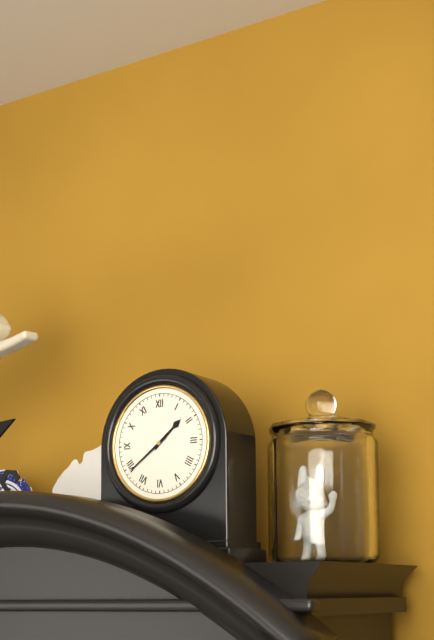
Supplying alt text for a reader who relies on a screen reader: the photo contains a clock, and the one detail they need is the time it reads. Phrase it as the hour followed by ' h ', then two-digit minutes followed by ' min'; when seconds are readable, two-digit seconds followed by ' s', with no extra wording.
1 h 39 min
